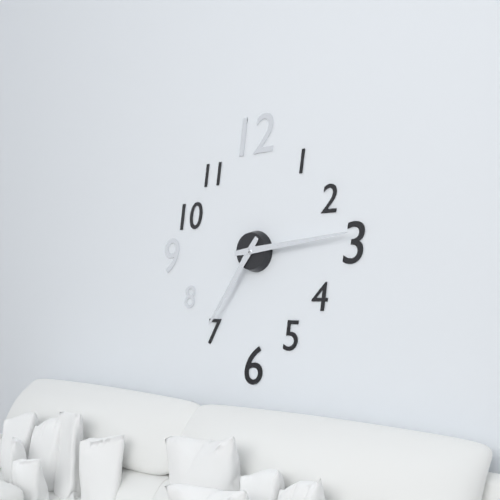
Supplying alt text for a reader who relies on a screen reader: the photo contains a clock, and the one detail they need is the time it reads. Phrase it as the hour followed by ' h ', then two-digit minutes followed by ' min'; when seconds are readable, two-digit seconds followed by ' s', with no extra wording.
7 h 14 min
